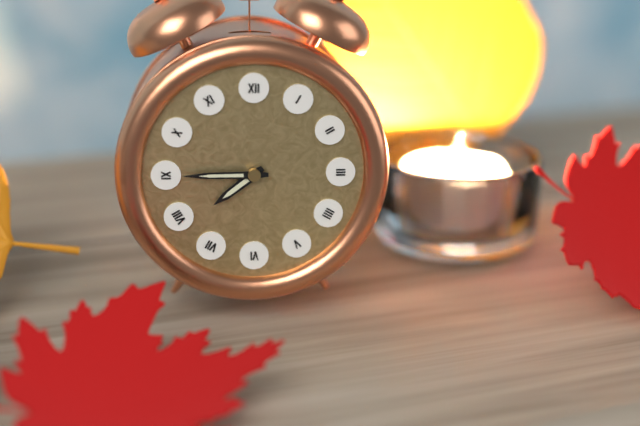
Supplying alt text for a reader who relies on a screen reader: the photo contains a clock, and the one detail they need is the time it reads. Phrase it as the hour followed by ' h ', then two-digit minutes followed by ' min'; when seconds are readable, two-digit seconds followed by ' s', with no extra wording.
7 h 45 min
